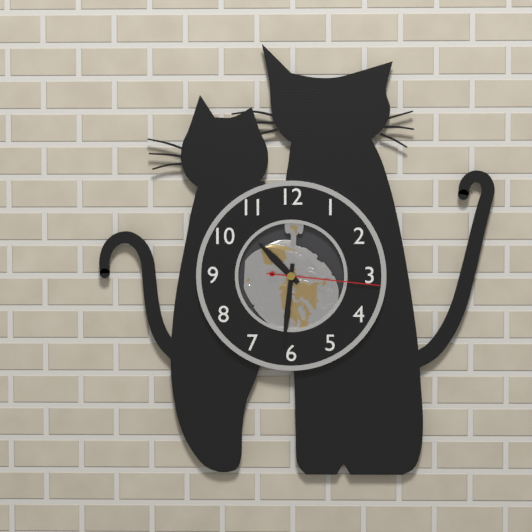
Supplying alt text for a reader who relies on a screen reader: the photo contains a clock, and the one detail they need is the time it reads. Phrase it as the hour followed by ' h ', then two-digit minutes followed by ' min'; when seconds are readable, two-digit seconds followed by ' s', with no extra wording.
10 h 31 min 16 s
